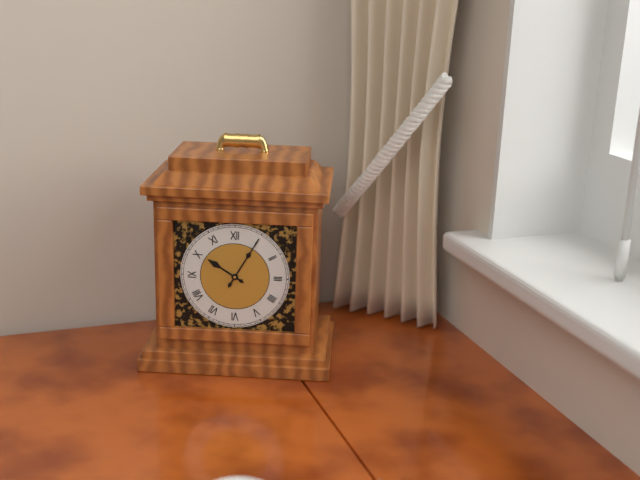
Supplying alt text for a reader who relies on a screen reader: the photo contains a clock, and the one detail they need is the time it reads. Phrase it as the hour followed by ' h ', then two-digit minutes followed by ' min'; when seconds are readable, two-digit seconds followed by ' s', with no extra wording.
10 h 05 min
